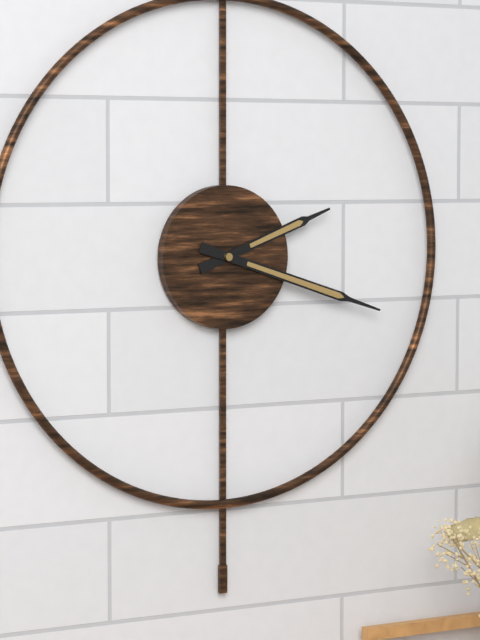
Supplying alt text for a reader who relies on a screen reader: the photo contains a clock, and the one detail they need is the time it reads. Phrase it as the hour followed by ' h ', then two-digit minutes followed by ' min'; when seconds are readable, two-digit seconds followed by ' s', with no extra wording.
2 h 18 min
